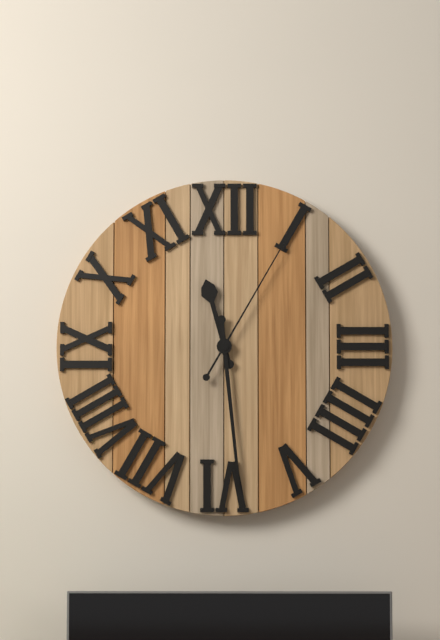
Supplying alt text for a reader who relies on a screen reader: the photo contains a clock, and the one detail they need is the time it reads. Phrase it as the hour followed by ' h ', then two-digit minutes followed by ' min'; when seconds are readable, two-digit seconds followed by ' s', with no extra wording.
11 h 29 min 05 s
